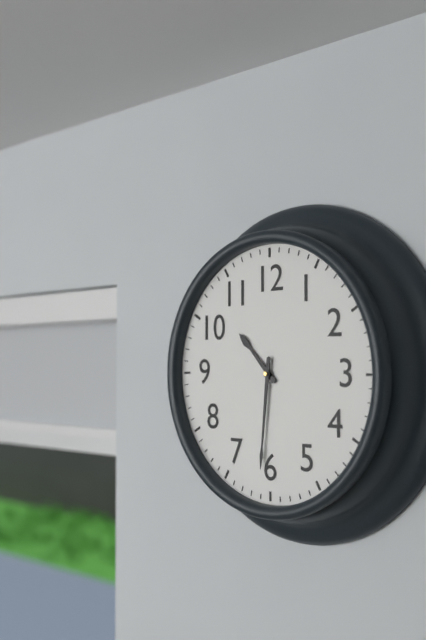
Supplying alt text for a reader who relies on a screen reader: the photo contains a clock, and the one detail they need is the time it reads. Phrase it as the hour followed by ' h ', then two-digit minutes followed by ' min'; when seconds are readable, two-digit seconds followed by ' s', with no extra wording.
10 h 31 min
